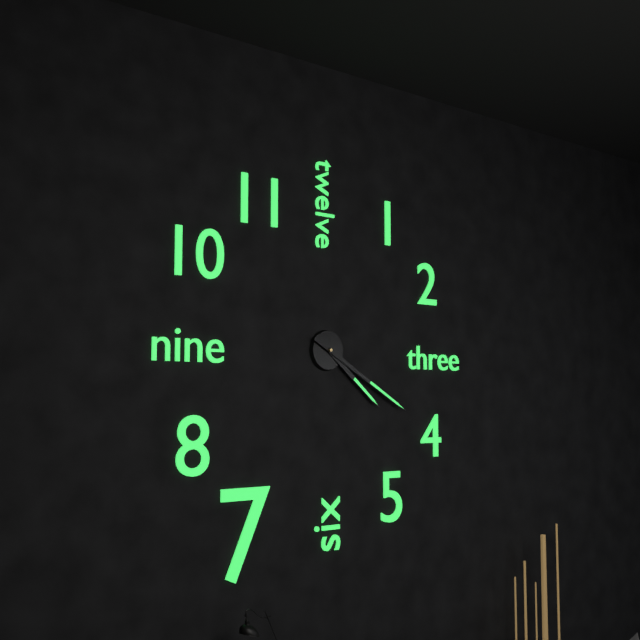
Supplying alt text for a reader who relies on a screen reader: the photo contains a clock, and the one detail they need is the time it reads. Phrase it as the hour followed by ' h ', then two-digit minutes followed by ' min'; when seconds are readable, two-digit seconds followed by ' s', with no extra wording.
4 h 20 min
